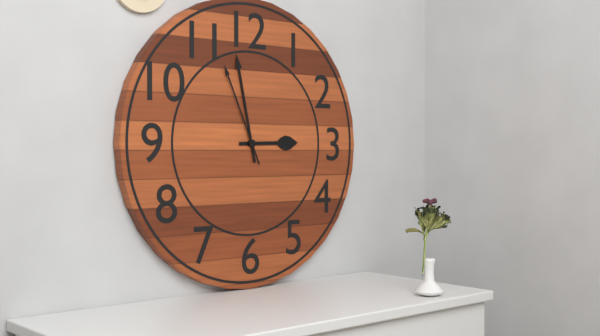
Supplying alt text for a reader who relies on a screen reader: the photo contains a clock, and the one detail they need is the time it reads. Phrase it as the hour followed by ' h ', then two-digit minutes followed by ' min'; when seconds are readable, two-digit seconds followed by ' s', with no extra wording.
2 h 58 min 56 s
